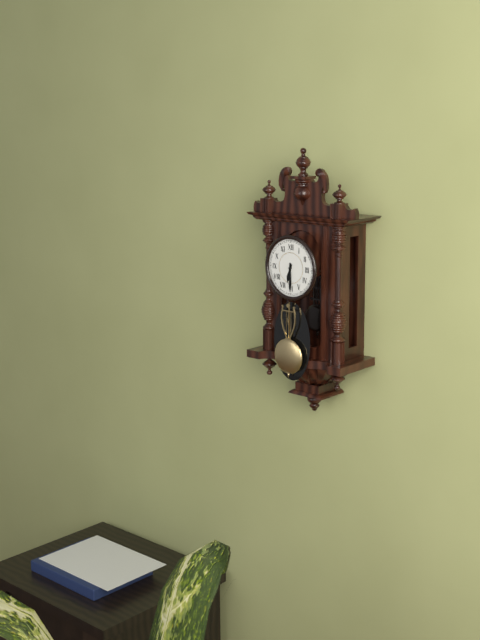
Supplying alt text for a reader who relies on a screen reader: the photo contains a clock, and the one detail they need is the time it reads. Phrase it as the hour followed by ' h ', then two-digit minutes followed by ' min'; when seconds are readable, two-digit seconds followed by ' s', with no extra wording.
6 h 30 min
